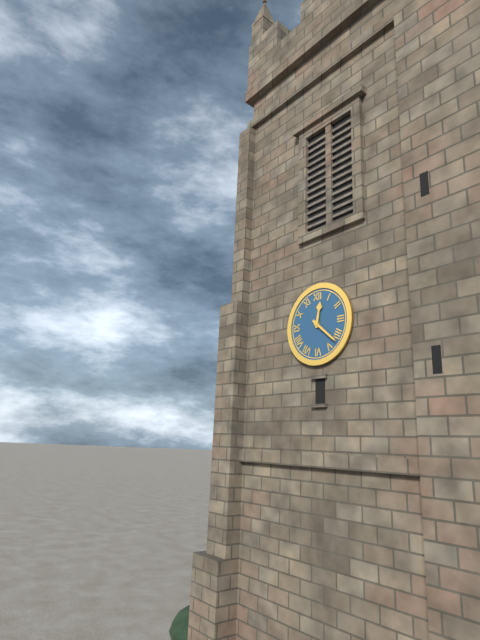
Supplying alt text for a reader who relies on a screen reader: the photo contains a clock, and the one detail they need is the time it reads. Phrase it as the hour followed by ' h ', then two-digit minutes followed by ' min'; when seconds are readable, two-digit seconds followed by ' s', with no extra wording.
12 h 22 min
